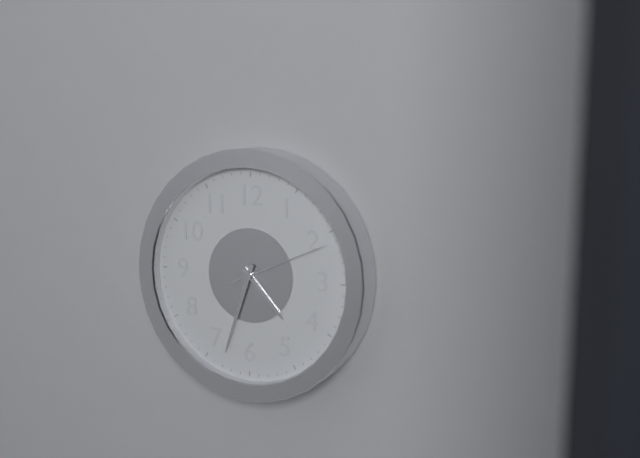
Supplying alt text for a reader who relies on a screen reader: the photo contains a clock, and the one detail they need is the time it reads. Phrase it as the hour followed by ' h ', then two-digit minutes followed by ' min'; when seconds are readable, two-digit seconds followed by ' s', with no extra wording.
4 h 33 min 11 s
